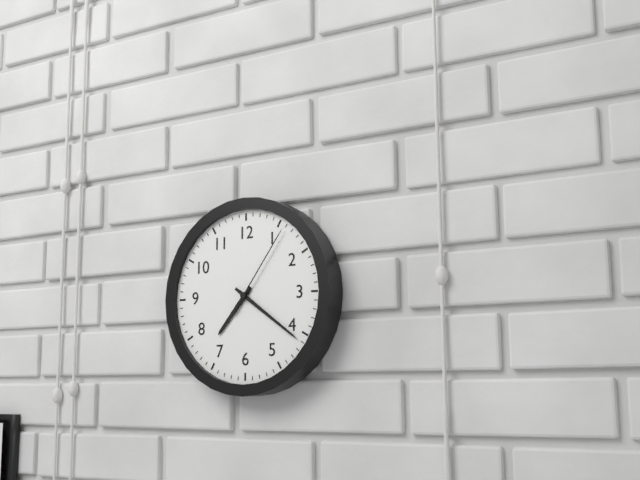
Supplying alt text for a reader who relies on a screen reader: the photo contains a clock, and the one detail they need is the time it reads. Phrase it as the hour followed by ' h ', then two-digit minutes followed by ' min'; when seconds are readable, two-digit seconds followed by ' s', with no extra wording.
7 h 21 min 06 s
